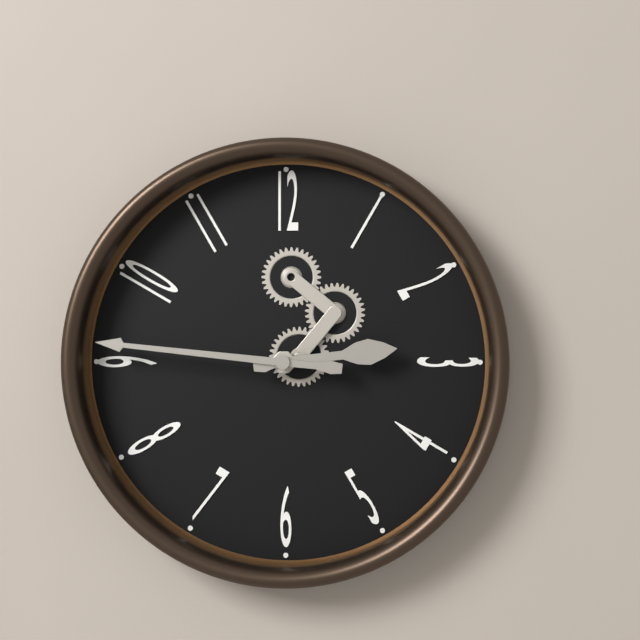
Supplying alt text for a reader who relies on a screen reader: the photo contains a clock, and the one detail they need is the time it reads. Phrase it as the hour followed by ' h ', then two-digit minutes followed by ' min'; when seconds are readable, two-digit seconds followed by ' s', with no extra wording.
2 h 46 min
